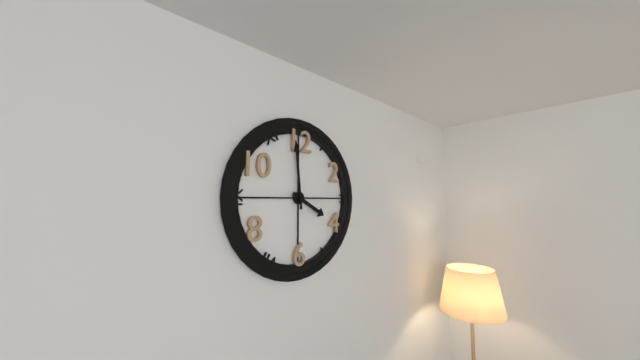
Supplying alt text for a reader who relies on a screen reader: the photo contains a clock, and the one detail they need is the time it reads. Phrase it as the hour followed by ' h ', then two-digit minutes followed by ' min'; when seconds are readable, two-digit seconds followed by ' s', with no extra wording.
3 h 59 min
